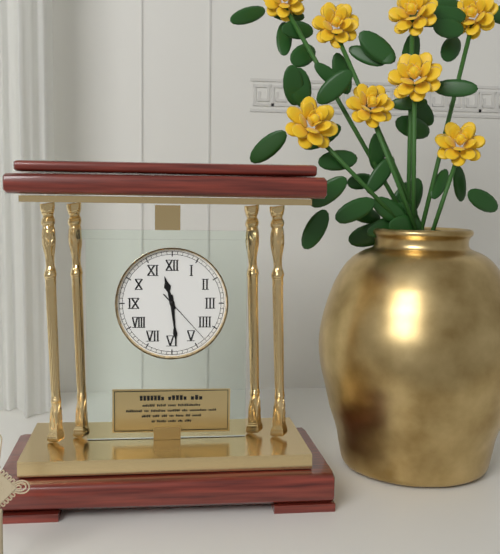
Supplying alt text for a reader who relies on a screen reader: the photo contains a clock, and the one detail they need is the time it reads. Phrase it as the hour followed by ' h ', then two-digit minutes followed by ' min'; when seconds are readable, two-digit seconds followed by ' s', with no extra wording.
11 h 29 min 23 s
